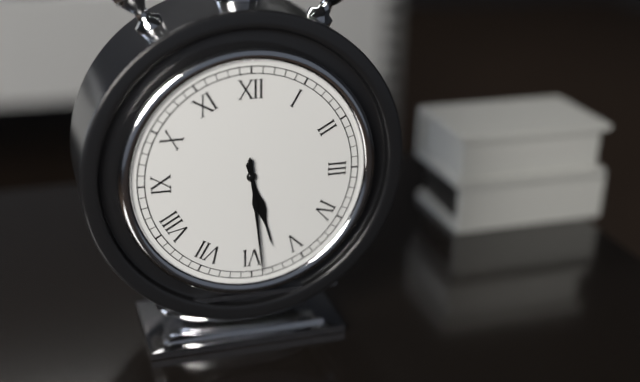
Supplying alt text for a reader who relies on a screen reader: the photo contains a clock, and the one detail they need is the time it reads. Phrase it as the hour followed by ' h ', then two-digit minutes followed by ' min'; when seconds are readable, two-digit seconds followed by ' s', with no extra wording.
5 h 29 min
